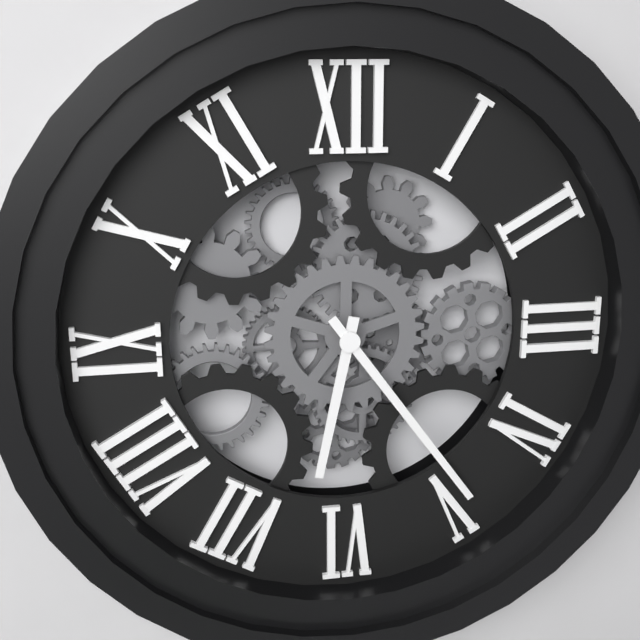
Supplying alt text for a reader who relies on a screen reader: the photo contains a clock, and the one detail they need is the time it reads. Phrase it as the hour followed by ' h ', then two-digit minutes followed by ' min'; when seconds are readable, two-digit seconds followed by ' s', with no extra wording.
6 h 24 min
